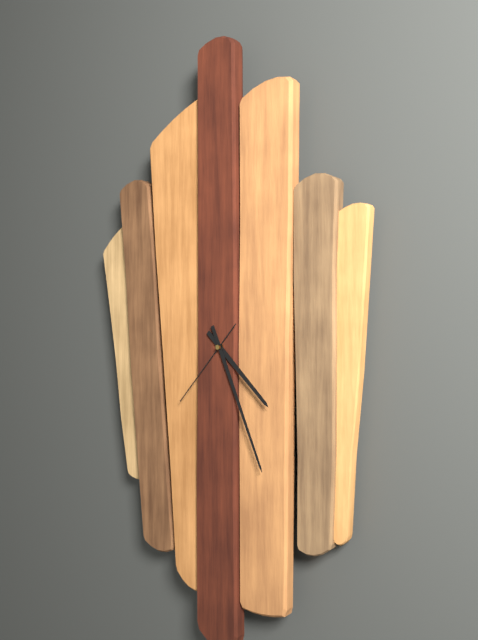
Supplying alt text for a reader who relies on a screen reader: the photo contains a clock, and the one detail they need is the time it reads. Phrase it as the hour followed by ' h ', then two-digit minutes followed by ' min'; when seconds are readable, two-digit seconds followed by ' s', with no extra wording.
4 h 26 min 37 s
